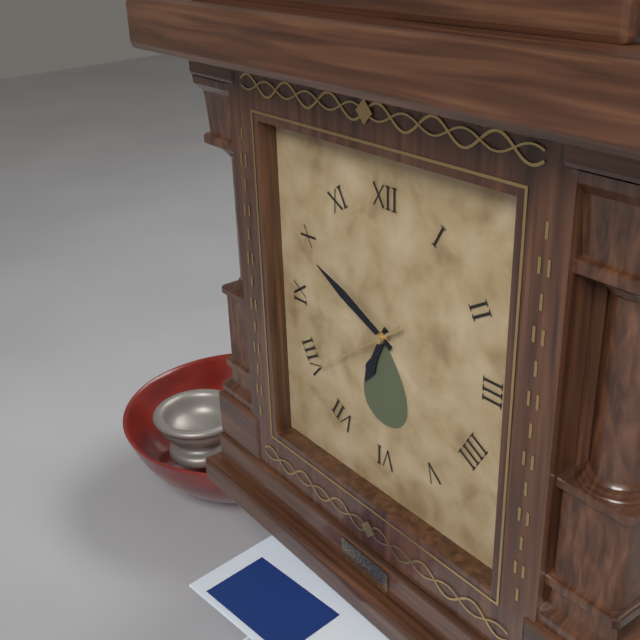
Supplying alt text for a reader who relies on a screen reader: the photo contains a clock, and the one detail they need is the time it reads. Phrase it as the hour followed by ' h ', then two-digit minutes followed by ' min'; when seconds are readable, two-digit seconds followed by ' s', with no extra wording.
6 h 49 min 39 s
